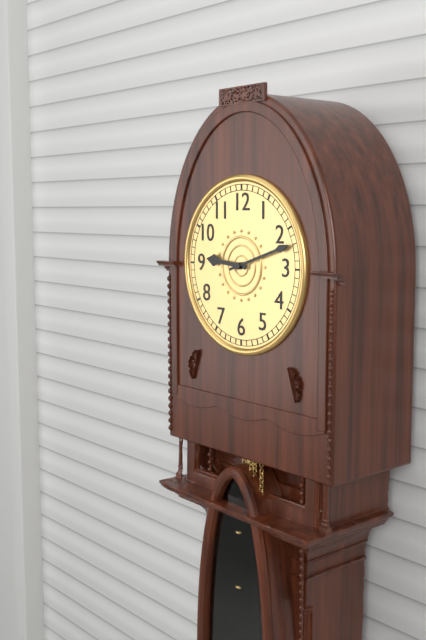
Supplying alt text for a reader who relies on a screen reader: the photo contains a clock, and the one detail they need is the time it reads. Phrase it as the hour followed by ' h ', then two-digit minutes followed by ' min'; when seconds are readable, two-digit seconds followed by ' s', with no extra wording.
9 h 12 min
